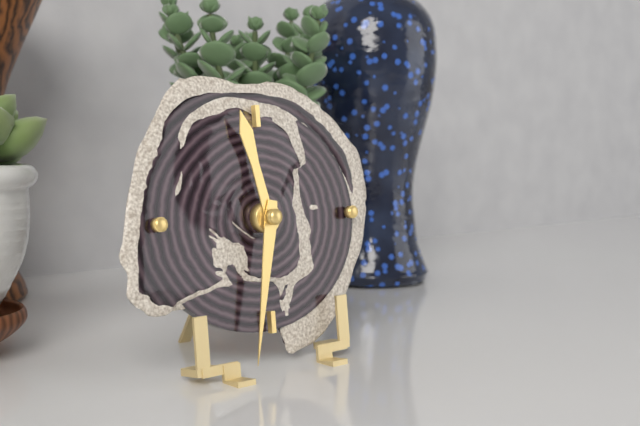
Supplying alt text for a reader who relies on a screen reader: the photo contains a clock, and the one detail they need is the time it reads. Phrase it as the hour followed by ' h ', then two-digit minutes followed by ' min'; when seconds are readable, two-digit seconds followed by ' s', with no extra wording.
11 h 32 min
